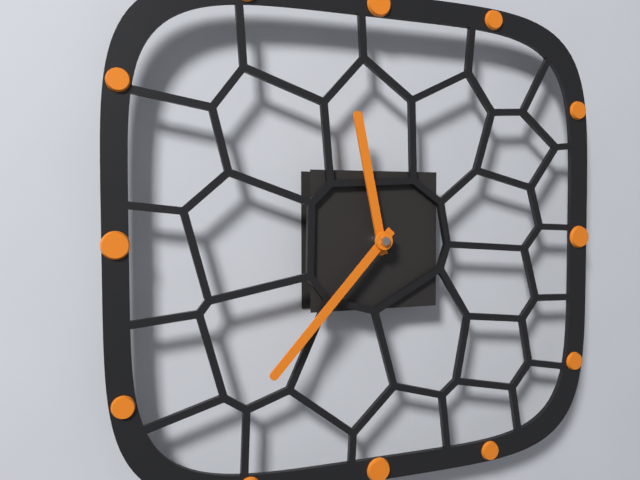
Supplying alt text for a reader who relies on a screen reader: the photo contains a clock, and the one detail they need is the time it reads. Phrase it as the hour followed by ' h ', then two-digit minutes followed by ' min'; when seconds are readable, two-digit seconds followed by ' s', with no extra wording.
11 h 37 min
